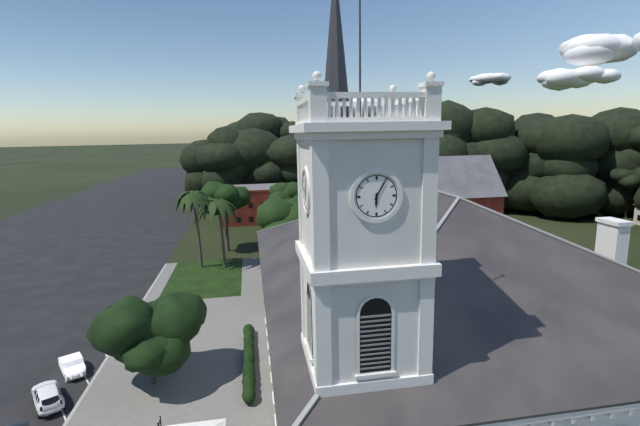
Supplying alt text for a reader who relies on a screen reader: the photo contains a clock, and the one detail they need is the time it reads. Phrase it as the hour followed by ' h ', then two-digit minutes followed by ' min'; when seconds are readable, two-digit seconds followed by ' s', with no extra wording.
6 h 05 min
